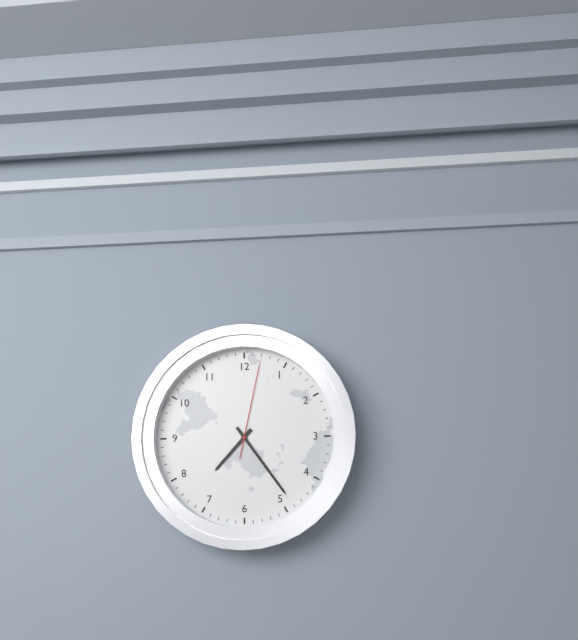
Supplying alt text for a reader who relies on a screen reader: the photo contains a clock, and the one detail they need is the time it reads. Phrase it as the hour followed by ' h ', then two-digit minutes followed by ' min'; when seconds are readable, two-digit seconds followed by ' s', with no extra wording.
7 h 24 min 02 s
